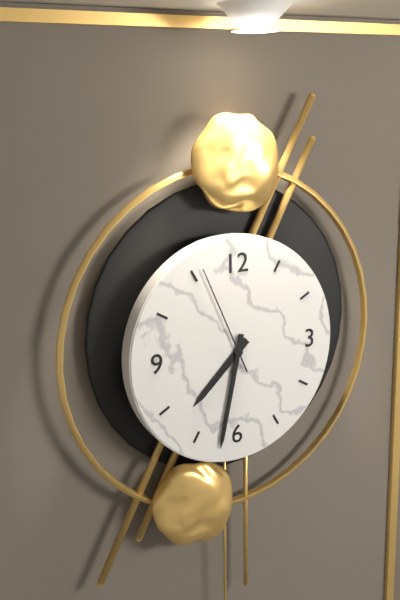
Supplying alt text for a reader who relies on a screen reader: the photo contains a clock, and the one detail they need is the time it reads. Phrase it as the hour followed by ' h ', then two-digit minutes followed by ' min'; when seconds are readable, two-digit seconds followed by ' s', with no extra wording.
7 h 32 min 56 s
